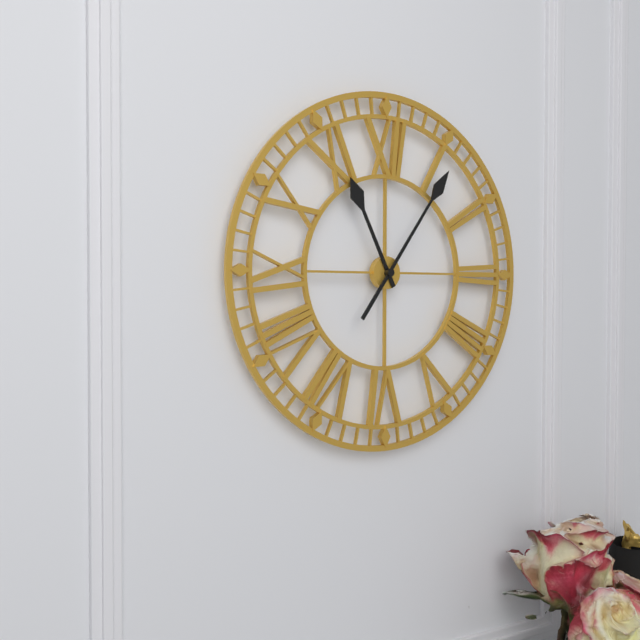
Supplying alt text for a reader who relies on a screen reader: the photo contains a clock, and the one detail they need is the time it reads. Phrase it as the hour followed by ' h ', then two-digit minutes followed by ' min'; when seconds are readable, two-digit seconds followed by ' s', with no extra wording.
11 h 06 min
